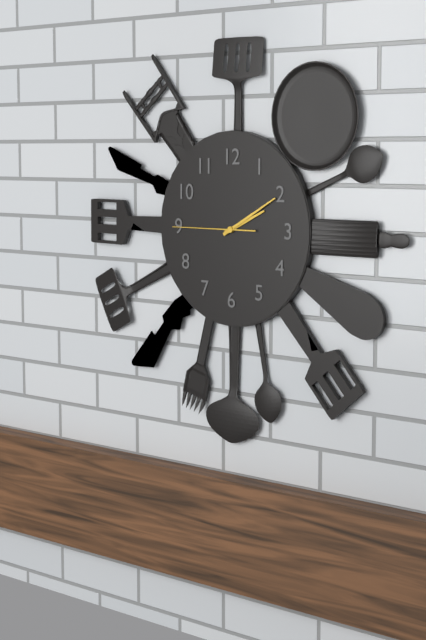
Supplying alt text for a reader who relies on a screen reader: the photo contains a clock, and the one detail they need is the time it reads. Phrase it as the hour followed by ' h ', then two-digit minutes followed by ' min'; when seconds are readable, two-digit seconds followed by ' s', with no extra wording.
2 h 10 min 45 s
